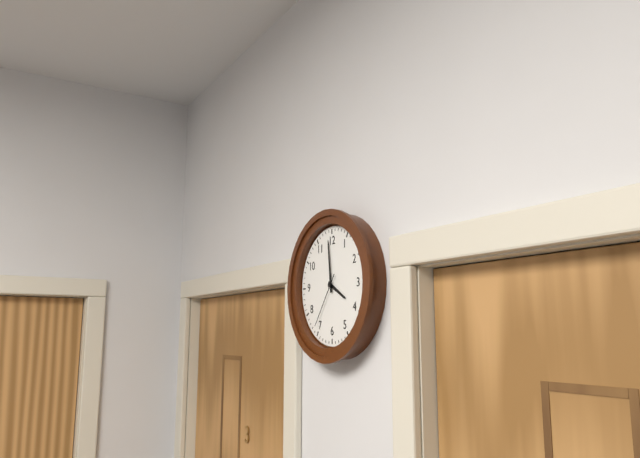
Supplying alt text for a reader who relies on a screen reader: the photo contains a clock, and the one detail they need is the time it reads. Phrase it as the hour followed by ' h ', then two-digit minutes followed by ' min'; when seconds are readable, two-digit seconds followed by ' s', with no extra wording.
3 h 59 min 36 s
